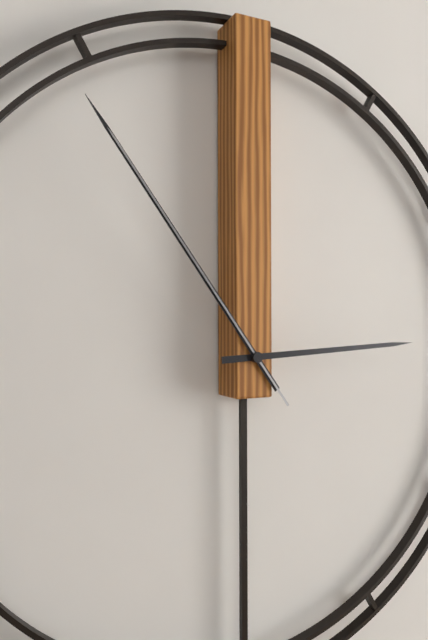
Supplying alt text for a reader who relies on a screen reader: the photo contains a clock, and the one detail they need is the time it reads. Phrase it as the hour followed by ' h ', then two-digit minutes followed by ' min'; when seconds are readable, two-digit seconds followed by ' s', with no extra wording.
2 h 54 min 54 s
